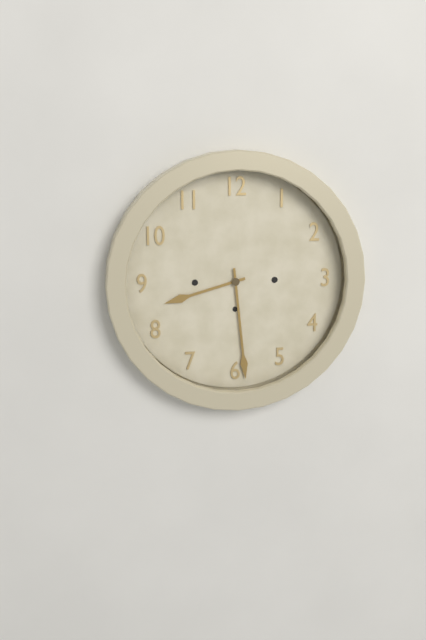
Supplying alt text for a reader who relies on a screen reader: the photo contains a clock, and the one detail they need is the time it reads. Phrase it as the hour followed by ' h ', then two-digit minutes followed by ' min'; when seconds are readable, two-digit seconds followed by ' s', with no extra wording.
8 h 29 min
